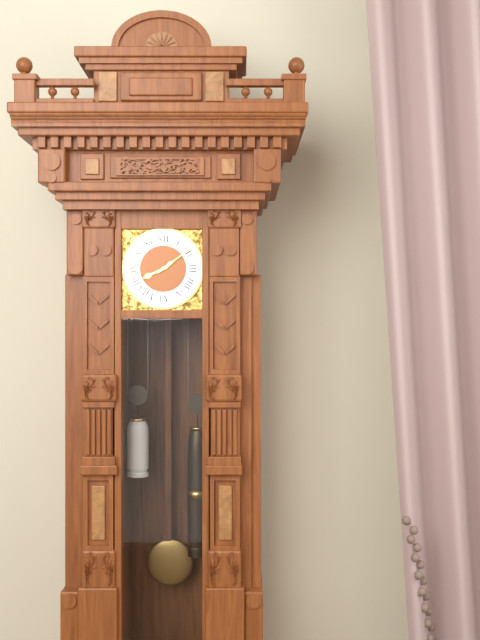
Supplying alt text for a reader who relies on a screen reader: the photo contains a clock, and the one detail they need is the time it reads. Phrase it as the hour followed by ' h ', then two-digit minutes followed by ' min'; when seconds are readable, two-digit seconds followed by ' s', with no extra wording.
8 h 09 min
